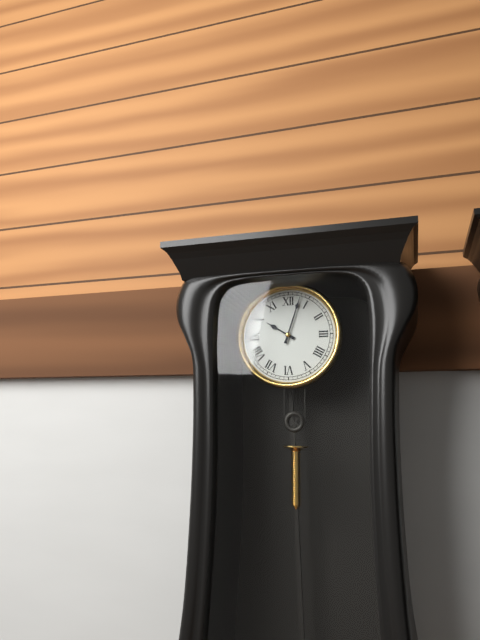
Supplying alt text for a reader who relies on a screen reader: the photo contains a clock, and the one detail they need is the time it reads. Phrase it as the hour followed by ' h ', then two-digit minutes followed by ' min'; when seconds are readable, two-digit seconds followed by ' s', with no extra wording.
10 h 03 min
